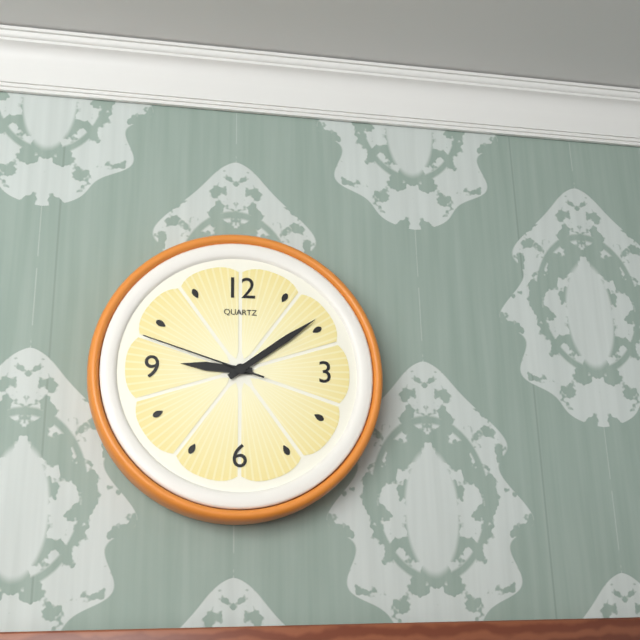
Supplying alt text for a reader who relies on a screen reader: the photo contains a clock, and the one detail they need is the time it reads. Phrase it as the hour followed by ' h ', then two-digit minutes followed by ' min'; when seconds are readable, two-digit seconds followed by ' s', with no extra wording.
9 h 09 min 48 s
